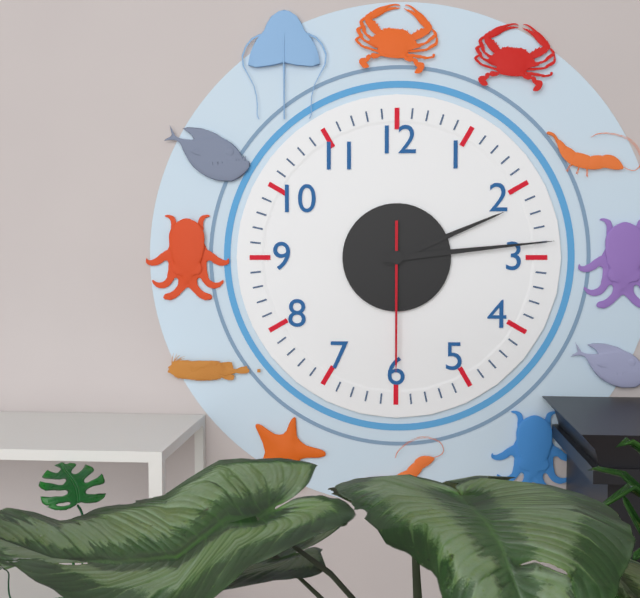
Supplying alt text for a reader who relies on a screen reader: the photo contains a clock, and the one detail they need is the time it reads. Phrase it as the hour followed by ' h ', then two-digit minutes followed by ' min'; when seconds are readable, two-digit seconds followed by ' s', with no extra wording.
2 h 14 min 30 s
